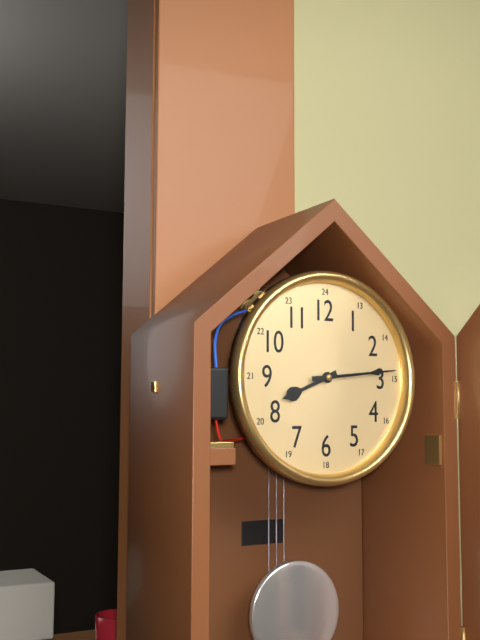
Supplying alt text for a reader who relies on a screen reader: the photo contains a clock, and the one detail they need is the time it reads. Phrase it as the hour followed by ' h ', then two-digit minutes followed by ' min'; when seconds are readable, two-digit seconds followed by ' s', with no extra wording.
8 h 14 min
